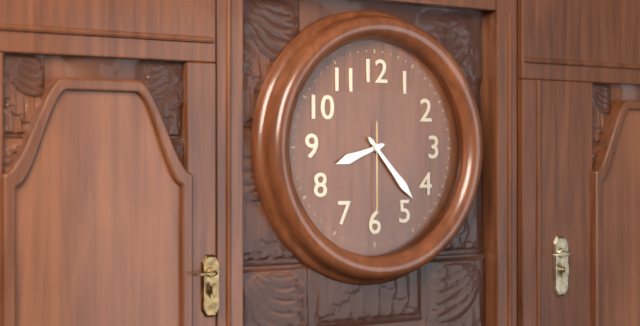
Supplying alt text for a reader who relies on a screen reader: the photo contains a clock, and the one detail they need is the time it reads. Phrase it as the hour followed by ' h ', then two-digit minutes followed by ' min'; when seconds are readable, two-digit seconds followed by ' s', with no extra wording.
8 h 23 min 30 s
